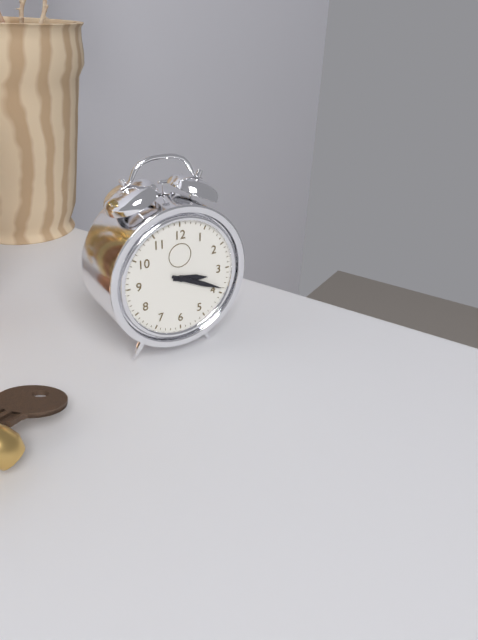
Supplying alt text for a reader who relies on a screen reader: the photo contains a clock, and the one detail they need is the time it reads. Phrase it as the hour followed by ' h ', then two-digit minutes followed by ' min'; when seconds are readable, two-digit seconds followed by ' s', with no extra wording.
3 h 19 min
